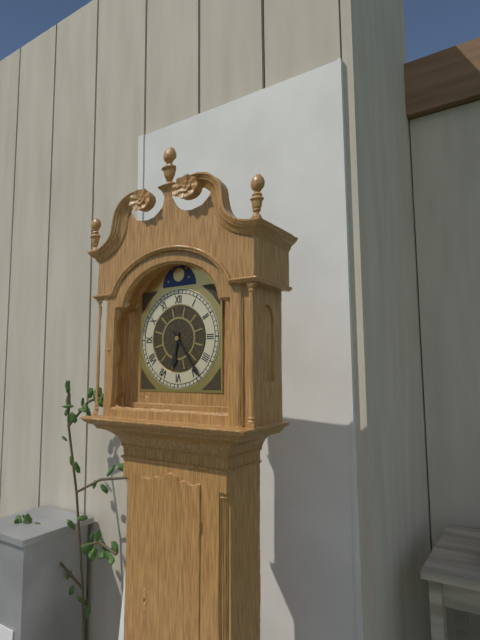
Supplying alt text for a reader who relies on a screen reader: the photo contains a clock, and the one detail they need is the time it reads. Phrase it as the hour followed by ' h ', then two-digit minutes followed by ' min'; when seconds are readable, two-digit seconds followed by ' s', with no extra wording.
6 h 24 min
